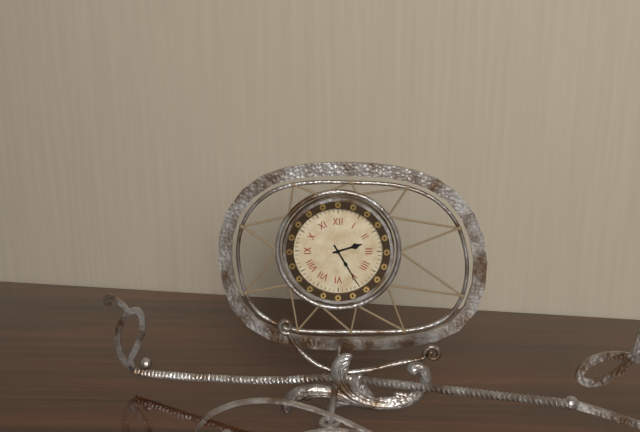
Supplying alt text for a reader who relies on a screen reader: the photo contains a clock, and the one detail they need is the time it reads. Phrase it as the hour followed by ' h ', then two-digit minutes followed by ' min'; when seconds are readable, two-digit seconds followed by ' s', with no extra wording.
2 h 25 min
